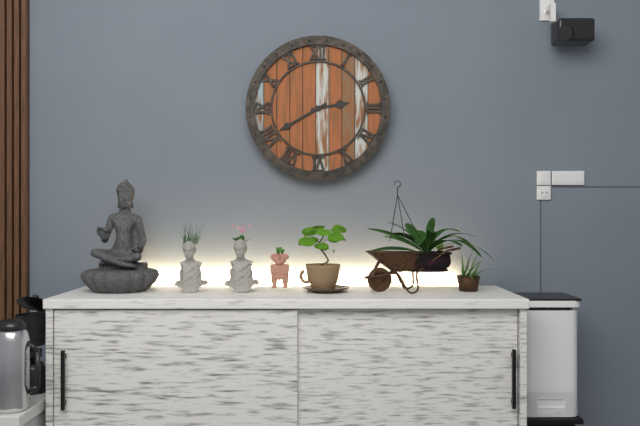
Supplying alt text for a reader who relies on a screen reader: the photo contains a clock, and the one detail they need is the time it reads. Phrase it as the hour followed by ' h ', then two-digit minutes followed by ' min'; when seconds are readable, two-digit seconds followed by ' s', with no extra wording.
2 h 40 min
